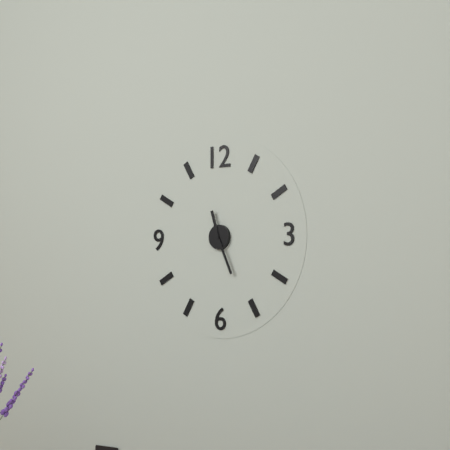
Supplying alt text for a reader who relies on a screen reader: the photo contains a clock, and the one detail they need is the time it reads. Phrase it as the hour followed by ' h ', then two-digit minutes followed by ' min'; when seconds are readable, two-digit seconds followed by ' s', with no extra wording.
11 h 26 min
